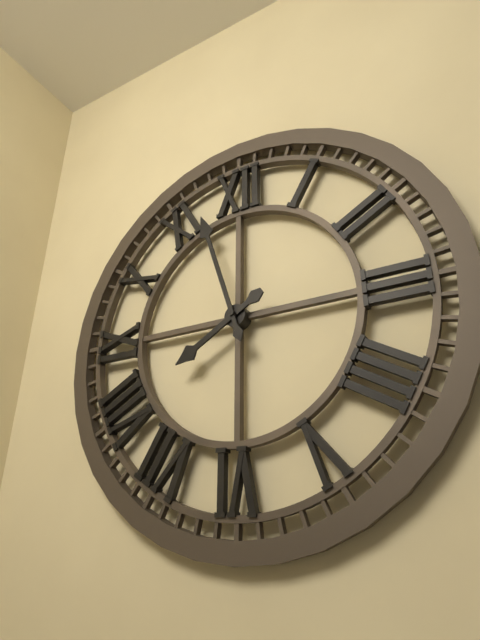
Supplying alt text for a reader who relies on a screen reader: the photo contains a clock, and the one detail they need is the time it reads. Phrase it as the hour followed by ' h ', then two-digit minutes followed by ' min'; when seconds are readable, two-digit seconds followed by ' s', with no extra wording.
7 h 57 min
